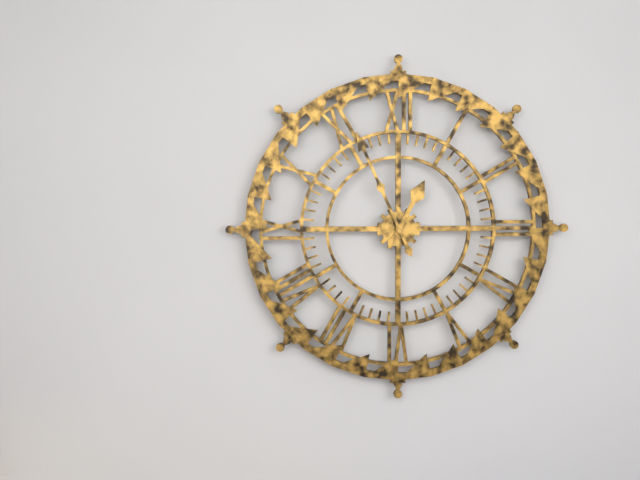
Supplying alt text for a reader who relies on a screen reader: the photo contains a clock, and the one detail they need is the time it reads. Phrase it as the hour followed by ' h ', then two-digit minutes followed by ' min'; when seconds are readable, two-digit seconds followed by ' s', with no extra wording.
12 h 56 min
